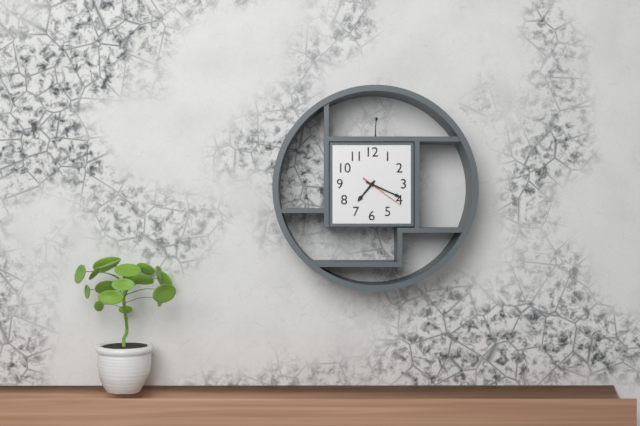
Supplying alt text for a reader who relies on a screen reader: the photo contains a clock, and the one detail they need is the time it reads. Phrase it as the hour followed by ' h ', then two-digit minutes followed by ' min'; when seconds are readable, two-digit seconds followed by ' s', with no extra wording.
7 h 19 min
